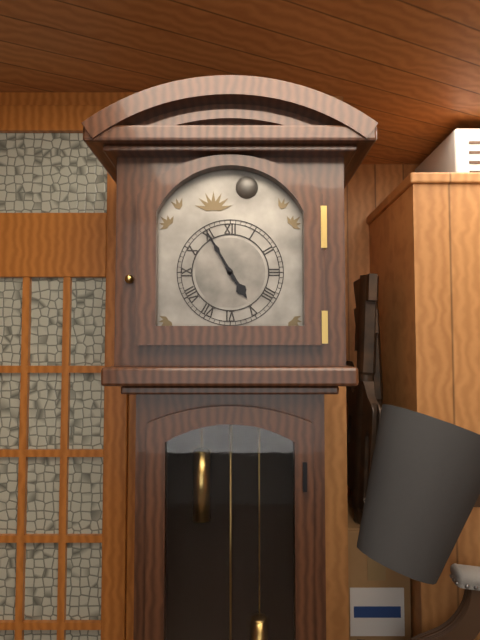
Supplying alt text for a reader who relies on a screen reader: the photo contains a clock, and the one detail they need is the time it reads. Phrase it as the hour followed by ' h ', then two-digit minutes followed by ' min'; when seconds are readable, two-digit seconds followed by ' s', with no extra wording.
4 h 55 min
